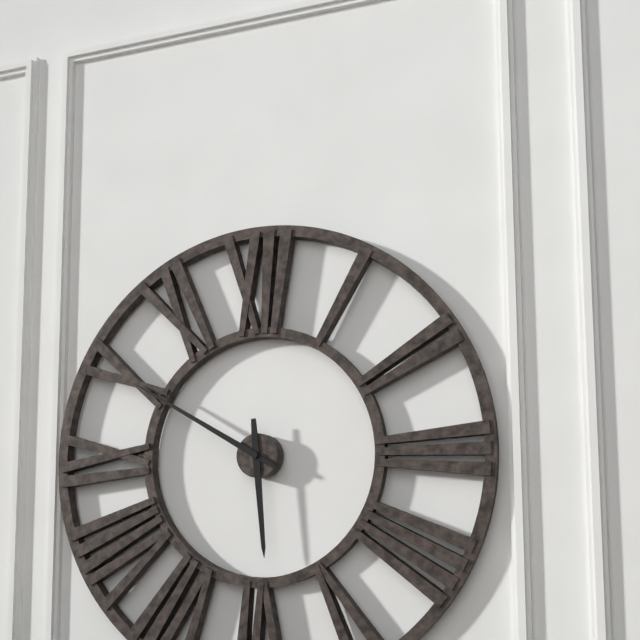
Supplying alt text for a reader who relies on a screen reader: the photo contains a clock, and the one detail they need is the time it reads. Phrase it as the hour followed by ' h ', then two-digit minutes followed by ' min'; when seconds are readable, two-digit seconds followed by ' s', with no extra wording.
5 h 50 min
